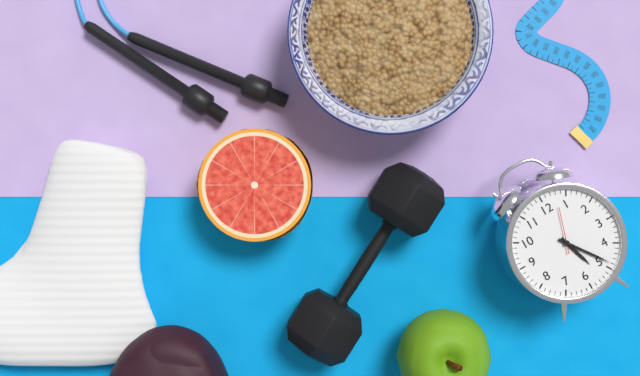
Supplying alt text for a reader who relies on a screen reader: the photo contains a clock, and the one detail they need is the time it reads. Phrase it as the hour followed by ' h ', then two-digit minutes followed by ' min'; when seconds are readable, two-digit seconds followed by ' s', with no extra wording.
5 h 24 min
